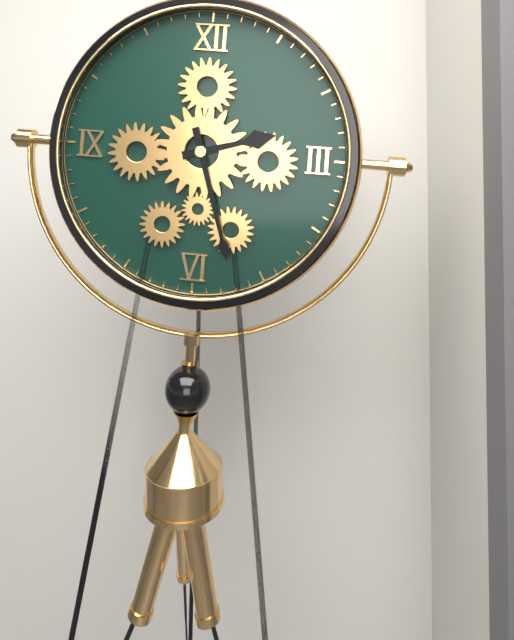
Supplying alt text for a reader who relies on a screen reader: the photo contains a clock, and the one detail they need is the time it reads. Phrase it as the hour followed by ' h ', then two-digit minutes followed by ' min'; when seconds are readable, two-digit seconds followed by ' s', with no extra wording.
2 h 27 min
